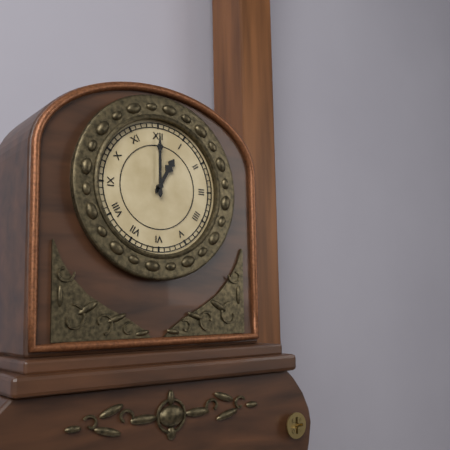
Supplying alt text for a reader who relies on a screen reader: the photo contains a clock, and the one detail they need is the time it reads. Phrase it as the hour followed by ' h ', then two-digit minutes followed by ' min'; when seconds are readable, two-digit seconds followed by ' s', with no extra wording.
1 h 00 min
